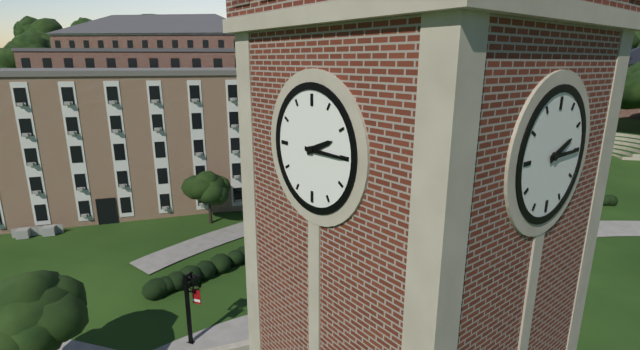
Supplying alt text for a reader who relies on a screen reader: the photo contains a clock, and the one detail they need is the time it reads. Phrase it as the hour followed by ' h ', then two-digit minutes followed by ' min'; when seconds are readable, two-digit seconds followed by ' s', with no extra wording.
2 h 15 min
